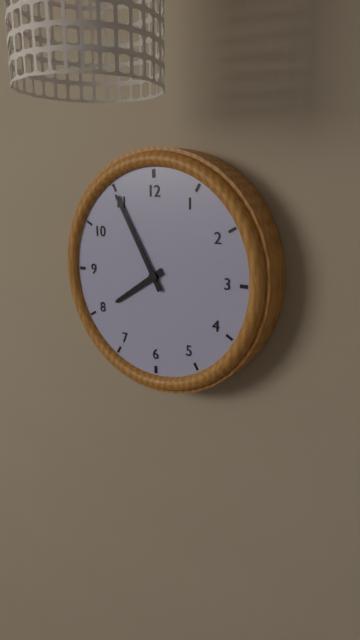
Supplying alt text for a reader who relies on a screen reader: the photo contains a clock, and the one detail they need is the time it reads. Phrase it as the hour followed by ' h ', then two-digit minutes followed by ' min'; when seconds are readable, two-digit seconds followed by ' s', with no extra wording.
7 h 55 min
